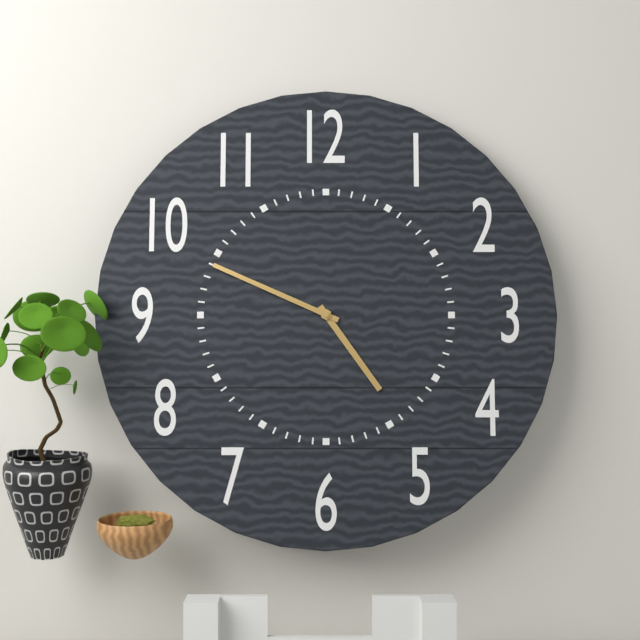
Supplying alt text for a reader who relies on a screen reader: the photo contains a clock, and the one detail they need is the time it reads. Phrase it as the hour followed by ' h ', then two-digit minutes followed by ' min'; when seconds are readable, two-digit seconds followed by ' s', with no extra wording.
4 h 49 min
